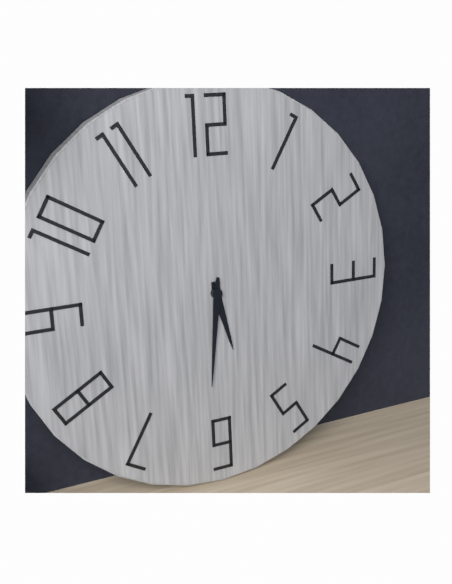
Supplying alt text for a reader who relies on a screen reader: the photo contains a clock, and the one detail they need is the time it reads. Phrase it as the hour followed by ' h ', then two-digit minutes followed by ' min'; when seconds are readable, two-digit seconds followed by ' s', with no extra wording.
5 h 31 min
